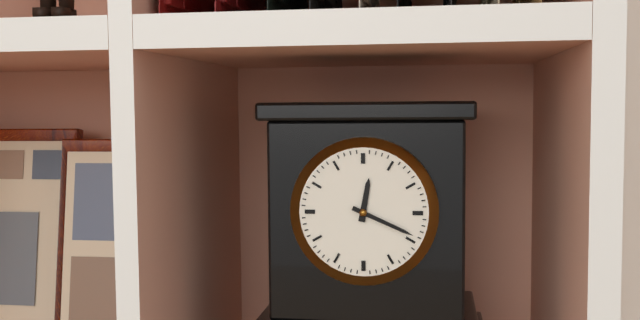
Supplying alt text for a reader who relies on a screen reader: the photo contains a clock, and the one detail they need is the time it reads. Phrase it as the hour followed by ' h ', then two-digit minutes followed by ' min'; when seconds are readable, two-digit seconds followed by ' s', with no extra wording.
12 h 19 min
